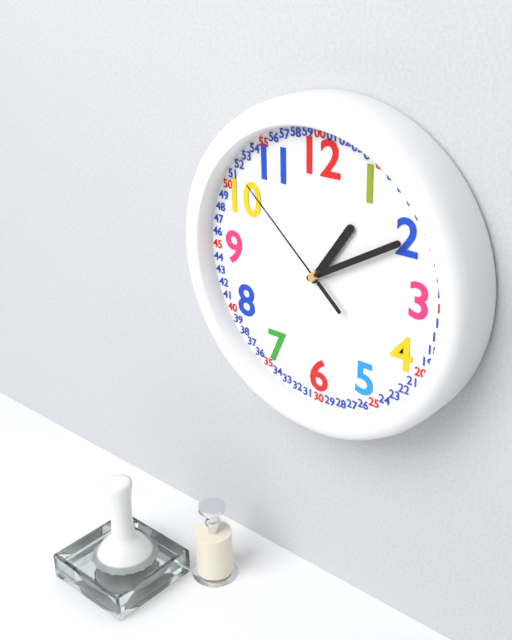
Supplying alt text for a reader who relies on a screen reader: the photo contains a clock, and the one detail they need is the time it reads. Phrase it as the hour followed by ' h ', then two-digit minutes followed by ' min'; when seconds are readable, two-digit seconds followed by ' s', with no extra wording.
1 h 10 min 52 s
